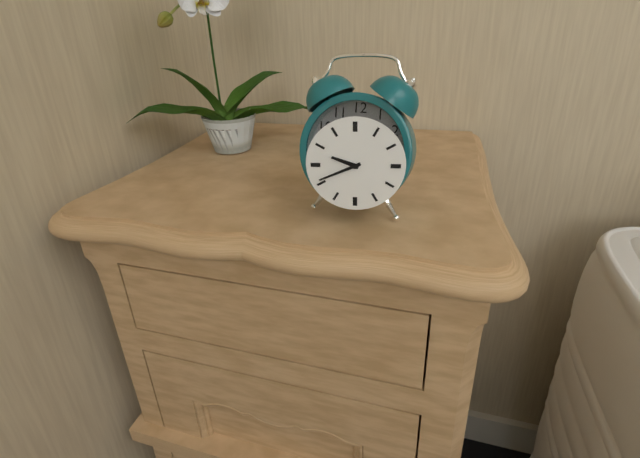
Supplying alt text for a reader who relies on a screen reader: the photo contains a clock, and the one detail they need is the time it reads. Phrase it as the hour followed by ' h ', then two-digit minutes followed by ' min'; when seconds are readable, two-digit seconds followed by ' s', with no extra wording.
9 h 41 min
